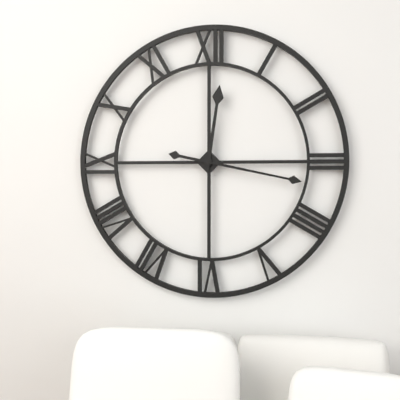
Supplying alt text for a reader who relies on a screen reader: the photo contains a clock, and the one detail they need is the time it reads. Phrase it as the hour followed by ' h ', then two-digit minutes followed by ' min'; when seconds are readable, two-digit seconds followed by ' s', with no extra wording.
12 h 17 min
